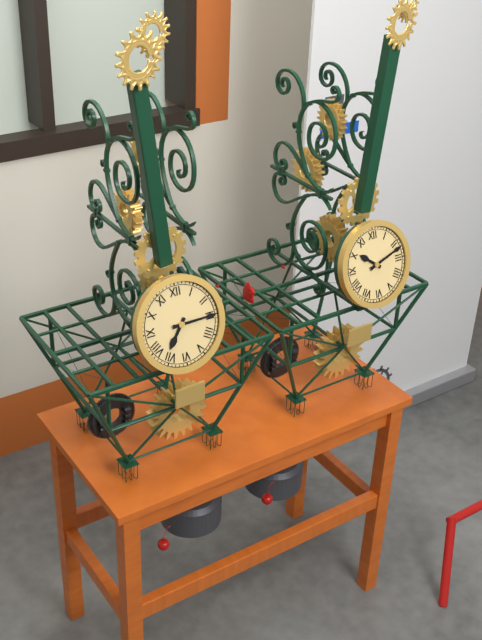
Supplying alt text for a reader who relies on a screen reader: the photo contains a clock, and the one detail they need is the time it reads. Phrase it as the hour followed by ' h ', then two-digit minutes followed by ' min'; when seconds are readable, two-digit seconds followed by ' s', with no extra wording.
7 h 15 min
